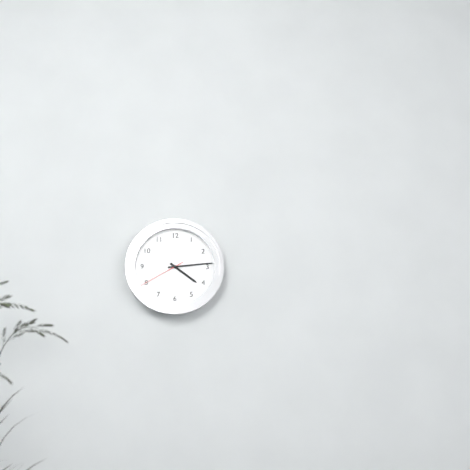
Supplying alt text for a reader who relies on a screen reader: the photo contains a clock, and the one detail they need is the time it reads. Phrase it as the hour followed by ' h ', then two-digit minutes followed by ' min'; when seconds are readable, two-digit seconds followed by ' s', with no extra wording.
4 h 14 min 40 s
